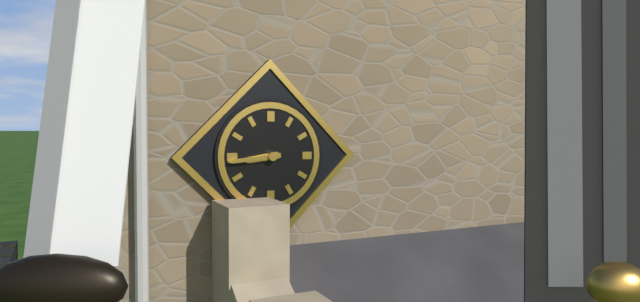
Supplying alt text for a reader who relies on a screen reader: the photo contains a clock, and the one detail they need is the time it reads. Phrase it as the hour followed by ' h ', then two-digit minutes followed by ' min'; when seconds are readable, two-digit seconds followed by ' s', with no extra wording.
8 h 44 min
